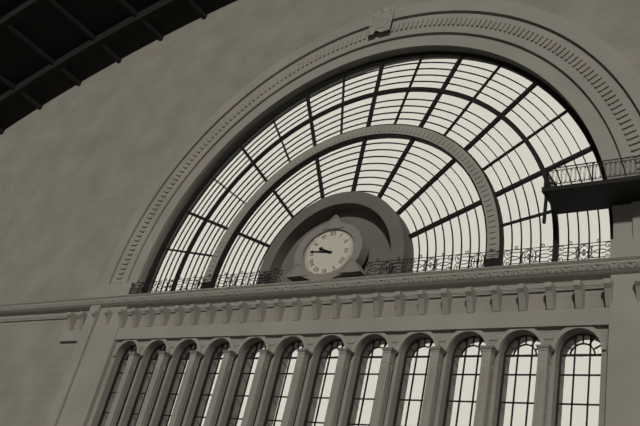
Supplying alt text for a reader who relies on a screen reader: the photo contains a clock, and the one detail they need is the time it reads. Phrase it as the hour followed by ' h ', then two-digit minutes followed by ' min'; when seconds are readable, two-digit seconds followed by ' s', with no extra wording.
9 h 46 min
